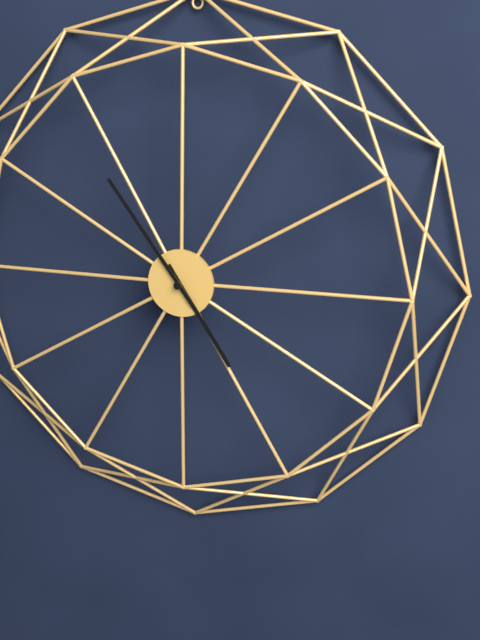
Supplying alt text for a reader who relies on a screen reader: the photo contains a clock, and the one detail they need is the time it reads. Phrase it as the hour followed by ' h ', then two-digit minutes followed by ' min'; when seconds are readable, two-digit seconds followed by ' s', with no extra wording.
4 h 54 min
